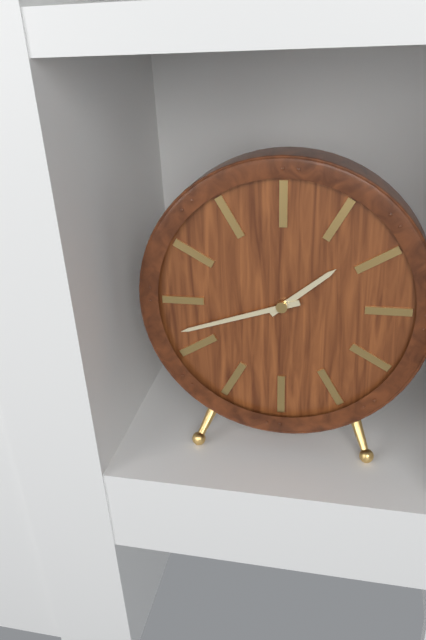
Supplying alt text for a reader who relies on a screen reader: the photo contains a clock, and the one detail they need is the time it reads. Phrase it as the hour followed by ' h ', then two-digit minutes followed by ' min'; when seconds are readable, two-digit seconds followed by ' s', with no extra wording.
1 h 42 min
